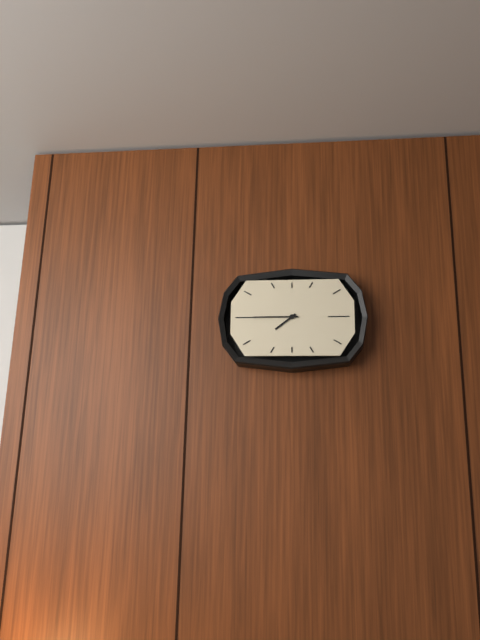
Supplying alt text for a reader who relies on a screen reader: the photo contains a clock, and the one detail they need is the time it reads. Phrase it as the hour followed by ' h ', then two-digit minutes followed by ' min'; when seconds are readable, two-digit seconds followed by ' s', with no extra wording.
7 h 45 min
